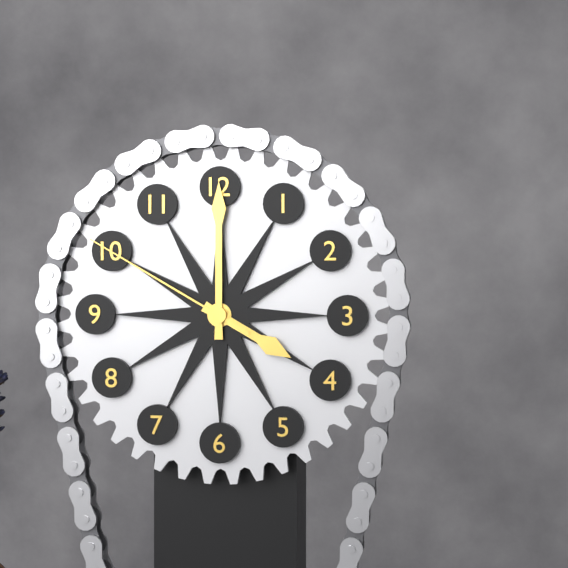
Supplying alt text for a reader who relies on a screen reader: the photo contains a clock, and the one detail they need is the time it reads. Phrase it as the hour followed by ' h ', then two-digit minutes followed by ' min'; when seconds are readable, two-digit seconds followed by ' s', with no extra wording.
4 h 00 min 50 s
